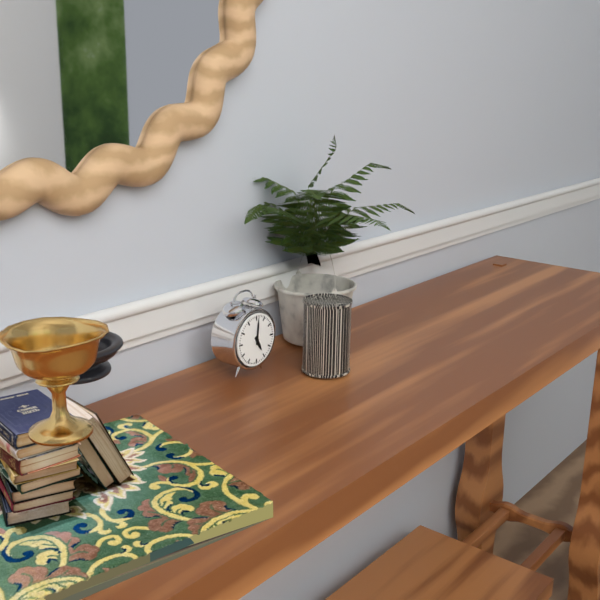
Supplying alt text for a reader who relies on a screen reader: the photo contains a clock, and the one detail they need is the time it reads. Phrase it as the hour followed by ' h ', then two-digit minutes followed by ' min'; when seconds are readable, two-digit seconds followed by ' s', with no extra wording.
5 h 01 min
